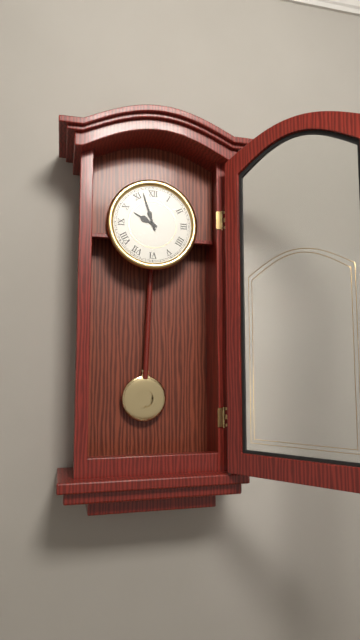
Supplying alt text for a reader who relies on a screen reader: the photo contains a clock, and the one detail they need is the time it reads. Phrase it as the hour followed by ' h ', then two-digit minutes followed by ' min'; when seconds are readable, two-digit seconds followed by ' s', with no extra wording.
9 h 57 min
